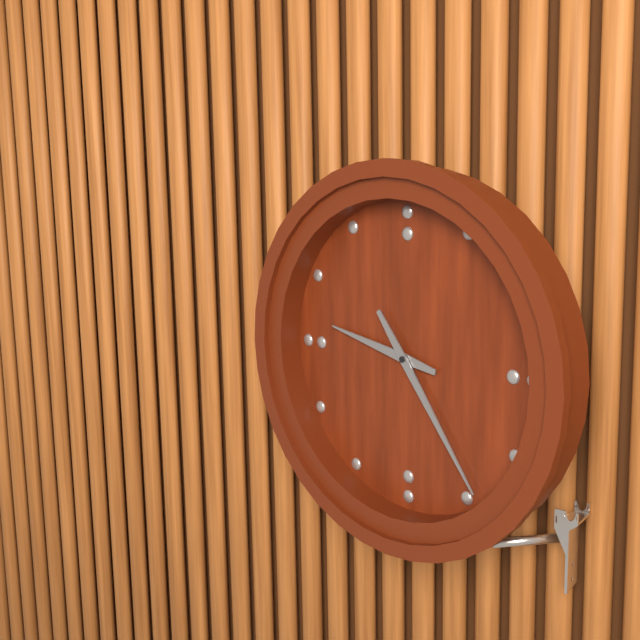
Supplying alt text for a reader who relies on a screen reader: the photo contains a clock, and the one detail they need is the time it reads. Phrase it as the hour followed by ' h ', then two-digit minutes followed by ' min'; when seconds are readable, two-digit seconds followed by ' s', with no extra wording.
9 h 24 min
